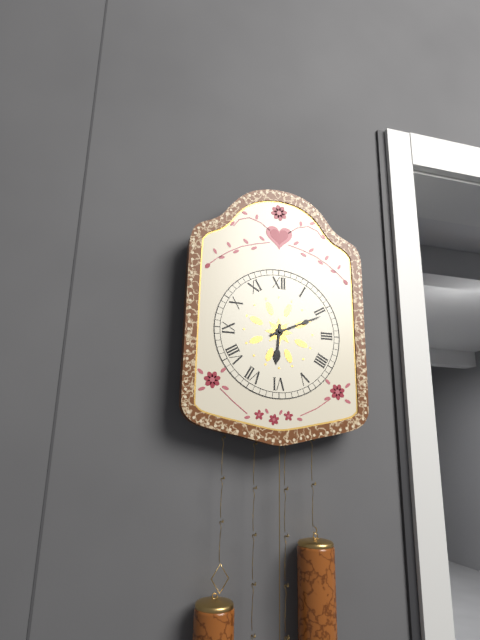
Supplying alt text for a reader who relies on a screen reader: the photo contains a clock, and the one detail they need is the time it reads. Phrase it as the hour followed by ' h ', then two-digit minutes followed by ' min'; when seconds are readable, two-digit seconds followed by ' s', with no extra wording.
6 h 11 min
